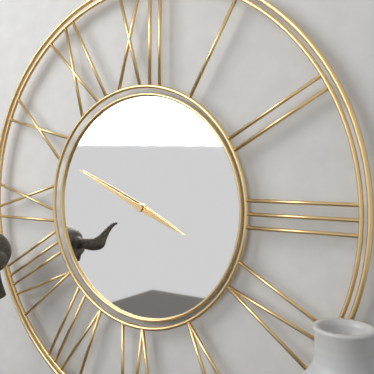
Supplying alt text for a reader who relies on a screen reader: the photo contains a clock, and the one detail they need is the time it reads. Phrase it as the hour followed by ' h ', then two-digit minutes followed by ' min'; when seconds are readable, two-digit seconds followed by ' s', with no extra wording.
3 h 49 min
